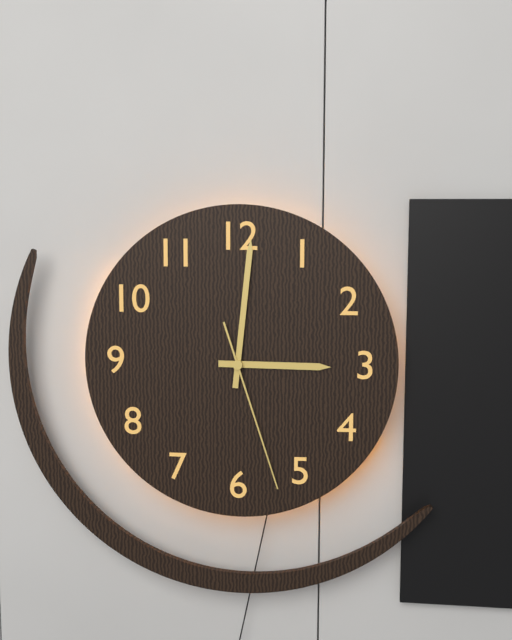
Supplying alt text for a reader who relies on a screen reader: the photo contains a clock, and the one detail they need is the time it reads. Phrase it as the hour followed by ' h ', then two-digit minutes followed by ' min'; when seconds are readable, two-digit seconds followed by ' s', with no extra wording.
3 h 01 min 27 s
